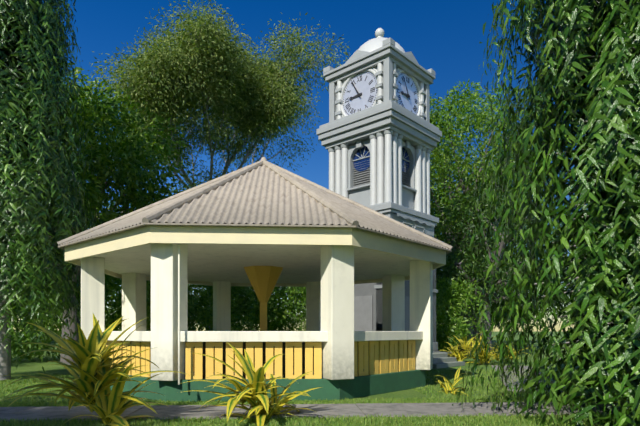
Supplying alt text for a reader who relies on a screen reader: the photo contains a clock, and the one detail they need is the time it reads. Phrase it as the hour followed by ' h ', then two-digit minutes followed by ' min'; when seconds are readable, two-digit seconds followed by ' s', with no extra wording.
8 h 55 min
